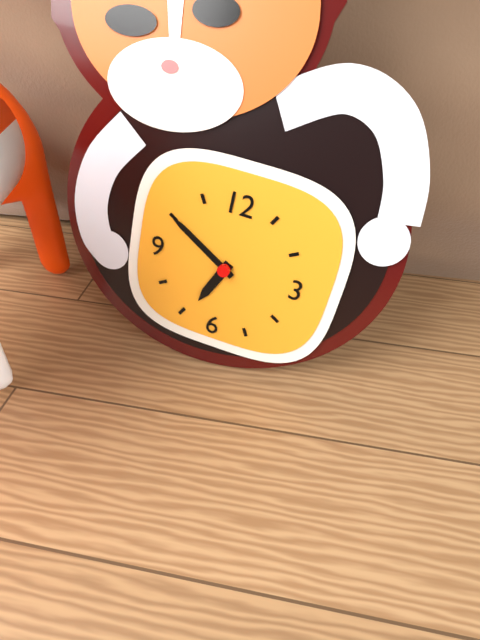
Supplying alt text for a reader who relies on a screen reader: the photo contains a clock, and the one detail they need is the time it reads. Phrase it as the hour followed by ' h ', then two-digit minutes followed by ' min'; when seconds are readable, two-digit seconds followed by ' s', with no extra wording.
6 h 50 min
